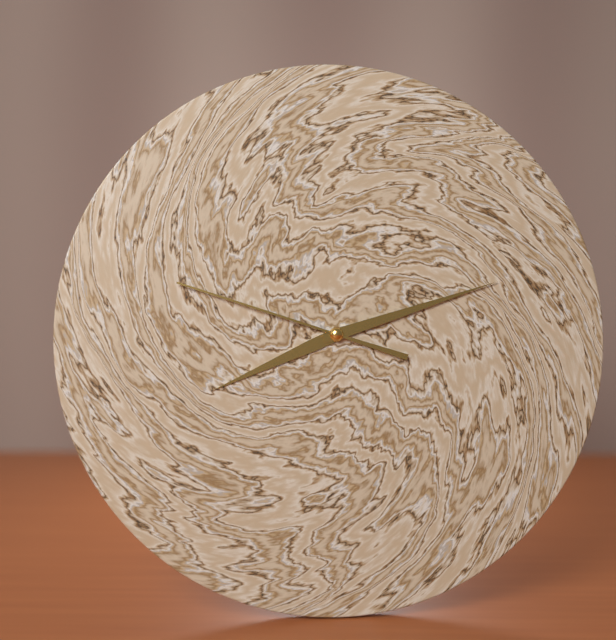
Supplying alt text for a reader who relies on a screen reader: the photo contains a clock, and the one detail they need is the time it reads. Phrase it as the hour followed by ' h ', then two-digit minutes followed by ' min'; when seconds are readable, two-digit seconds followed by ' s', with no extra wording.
8 h 12 min 48 s
